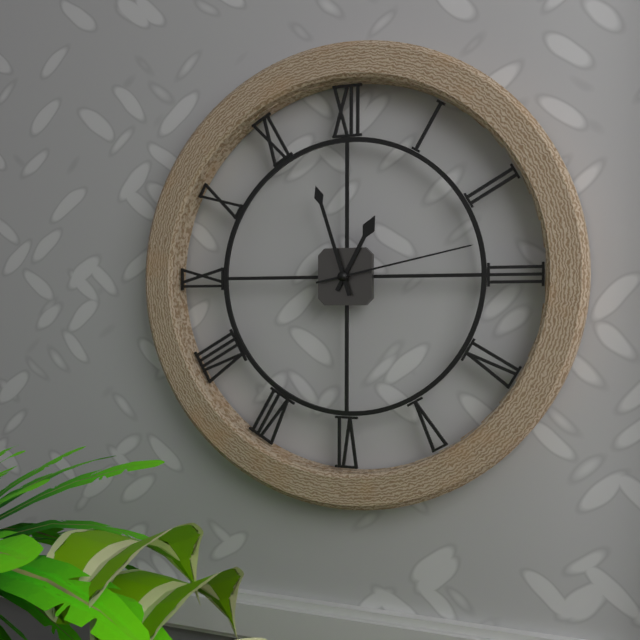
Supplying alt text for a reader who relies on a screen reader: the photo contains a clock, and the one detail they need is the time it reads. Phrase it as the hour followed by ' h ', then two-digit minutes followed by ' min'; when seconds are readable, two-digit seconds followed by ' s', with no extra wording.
12 h 57 min 13 s
